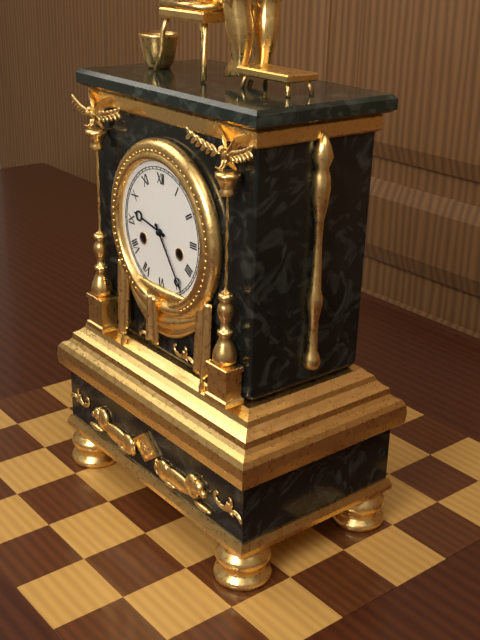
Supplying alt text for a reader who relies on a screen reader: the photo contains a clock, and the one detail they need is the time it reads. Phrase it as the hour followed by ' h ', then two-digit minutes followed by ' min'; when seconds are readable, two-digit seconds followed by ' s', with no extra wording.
9 h 24 min
